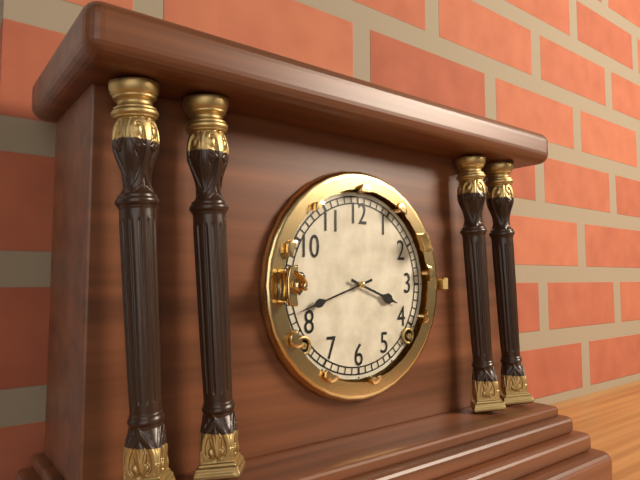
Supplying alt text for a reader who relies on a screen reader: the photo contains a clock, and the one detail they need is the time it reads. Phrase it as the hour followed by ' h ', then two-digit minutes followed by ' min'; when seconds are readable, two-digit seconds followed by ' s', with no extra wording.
3 h 42 min
